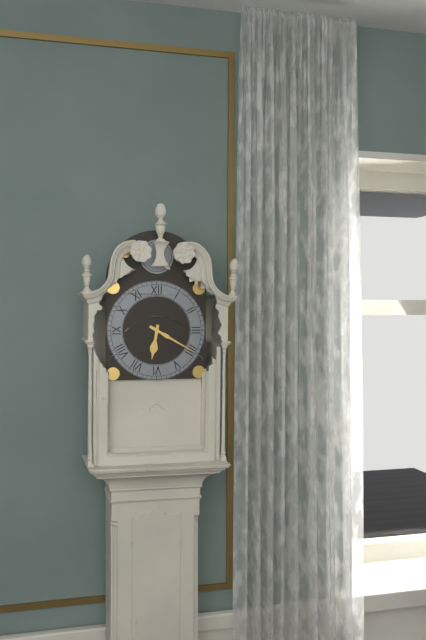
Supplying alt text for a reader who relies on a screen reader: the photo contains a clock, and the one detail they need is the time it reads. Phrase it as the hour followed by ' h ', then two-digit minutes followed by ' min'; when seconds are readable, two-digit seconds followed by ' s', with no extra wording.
6 h 20 min
